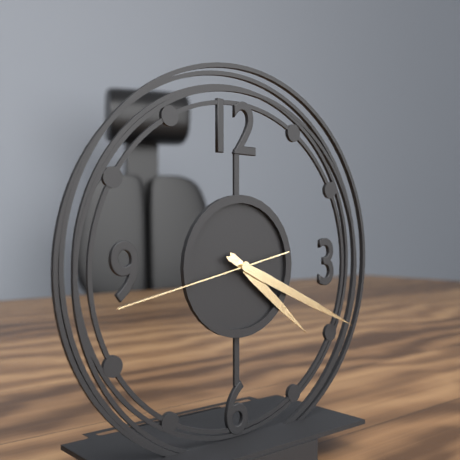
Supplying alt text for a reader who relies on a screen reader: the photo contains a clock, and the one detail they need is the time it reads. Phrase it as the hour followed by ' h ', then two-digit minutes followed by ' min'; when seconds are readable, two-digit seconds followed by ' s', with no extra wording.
4 h 19 min 43 s
